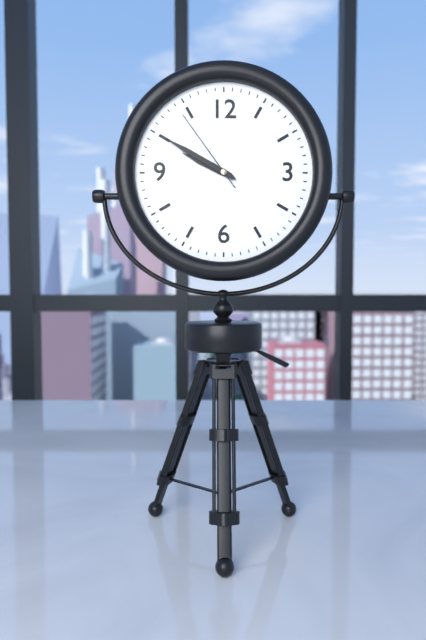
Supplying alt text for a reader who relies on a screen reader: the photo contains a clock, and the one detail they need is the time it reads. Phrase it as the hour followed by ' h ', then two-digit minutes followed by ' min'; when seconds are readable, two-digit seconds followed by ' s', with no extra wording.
9 h 50 min 54 s
